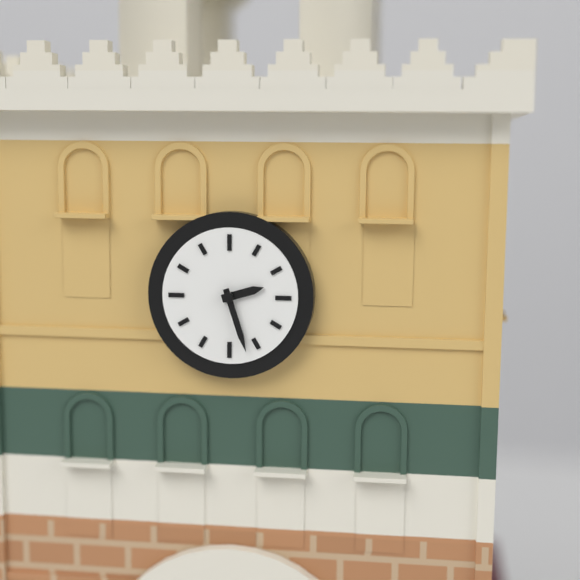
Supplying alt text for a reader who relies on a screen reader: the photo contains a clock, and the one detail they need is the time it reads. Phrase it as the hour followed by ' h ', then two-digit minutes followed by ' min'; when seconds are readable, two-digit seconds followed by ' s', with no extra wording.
2 h 27 min
